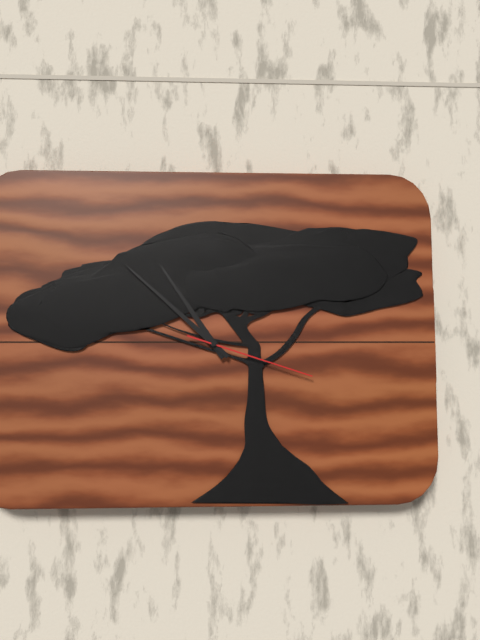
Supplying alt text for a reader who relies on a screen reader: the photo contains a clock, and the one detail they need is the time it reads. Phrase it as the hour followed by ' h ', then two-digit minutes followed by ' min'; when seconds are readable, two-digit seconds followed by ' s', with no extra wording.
10 h 52 min 18 s
